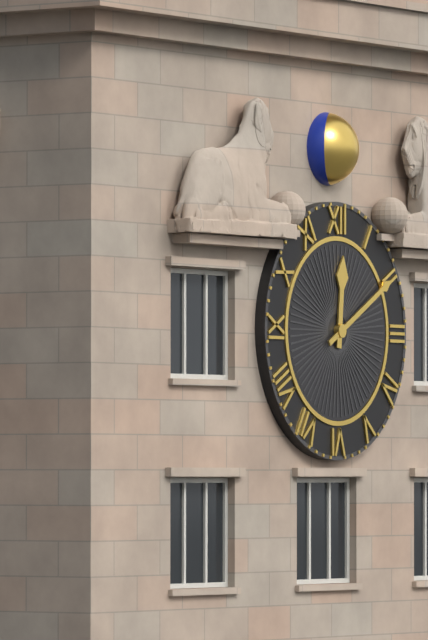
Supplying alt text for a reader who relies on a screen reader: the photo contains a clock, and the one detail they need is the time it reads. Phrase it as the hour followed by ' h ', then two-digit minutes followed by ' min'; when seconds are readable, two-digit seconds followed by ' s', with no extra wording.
12 h 10 min
